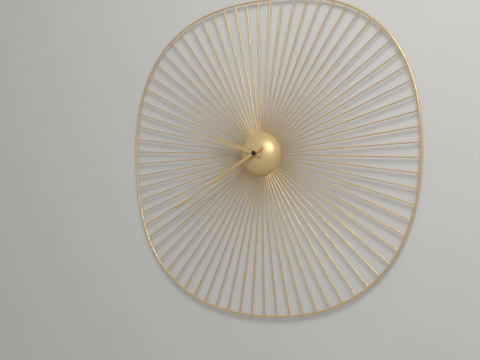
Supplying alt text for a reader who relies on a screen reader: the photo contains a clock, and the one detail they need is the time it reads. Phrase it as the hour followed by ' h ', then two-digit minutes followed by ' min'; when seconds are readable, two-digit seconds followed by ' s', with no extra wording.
9 h 40 min
